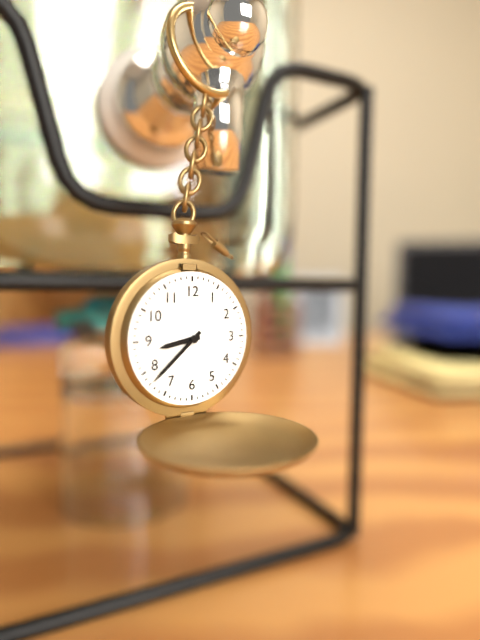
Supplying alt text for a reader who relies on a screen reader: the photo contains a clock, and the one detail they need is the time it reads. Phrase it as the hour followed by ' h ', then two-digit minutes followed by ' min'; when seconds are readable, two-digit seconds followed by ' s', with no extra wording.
8 h 38 min
